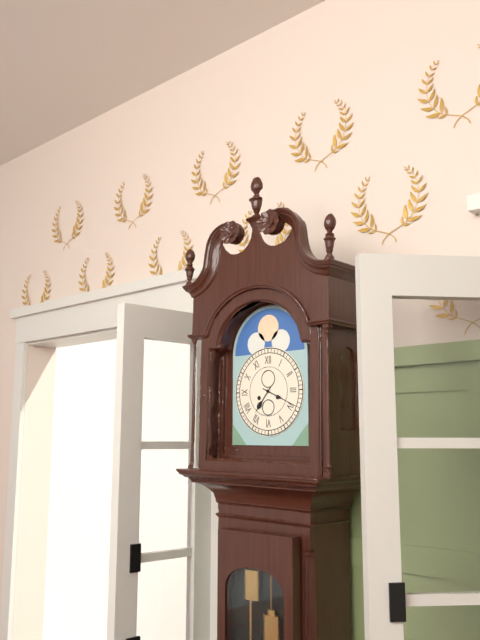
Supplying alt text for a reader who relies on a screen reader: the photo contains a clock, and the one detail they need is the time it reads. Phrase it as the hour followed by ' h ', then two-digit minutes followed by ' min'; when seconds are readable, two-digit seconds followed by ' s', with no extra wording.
7 h 19 min
